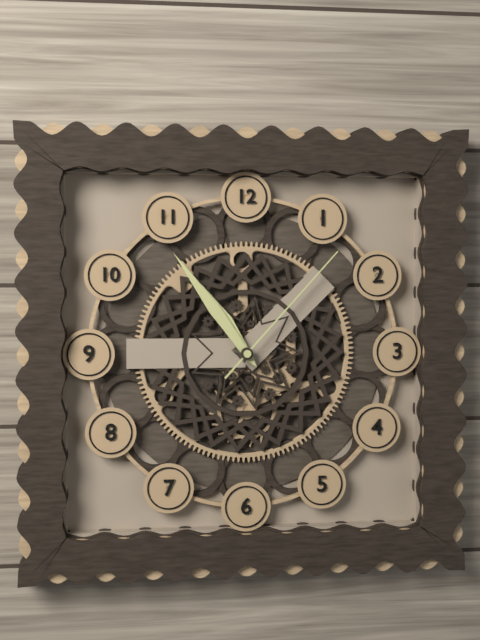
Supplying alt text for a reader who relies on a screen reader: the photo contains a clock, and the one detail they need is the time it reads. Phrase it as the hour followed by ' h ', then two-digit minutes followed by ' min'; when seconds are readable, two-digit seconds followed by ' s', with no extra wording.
10 h 54 min 07 s
